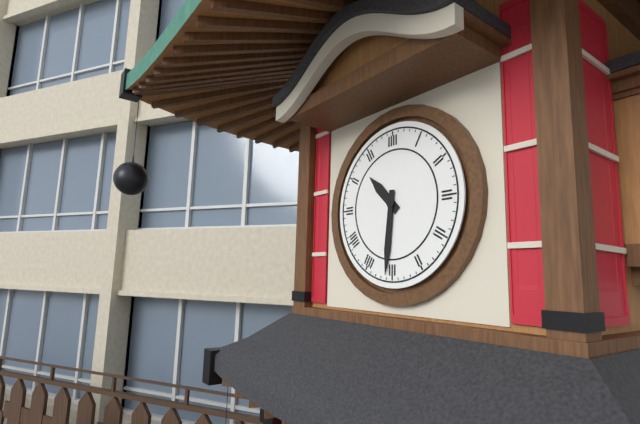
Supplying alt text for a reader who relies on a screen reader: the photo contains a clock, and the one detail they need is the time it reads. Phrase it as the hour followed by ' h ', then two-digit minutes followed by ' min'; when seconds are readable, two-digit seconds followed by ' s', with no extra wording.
10 h 31 min
